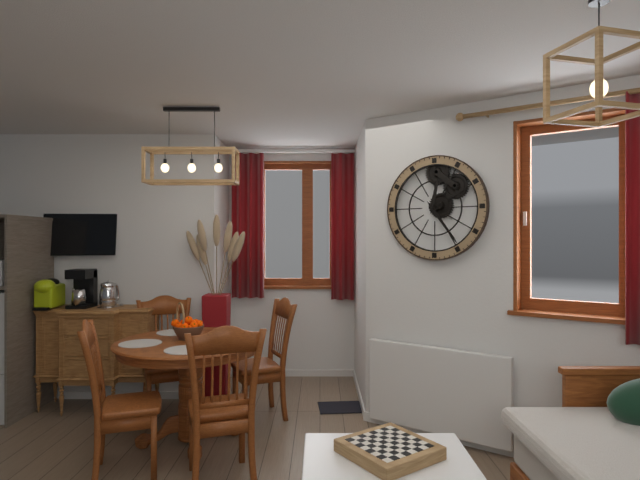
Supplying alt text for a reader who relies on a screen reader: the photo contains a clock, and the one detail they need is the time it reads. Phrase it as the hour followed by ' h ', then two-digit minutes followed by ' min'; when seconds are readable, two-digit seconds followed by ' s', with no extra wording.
12 h 24 min
